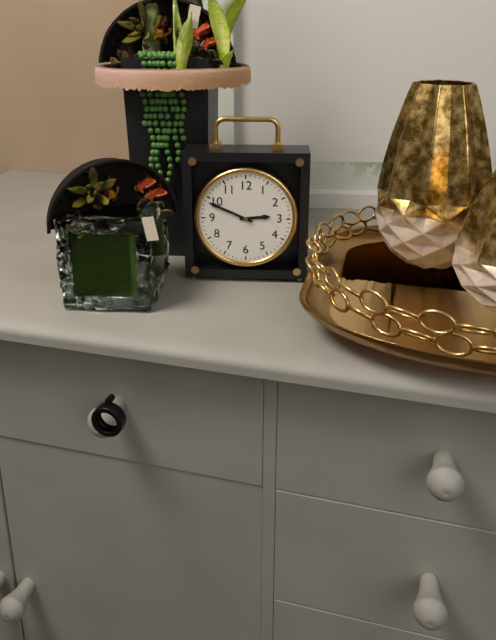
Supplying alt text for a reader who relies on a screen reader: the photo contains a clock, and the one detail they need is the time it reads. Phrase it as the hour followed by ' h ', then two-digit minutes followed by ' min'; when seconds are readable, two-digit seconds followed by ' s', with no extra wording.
2 h 49 min
